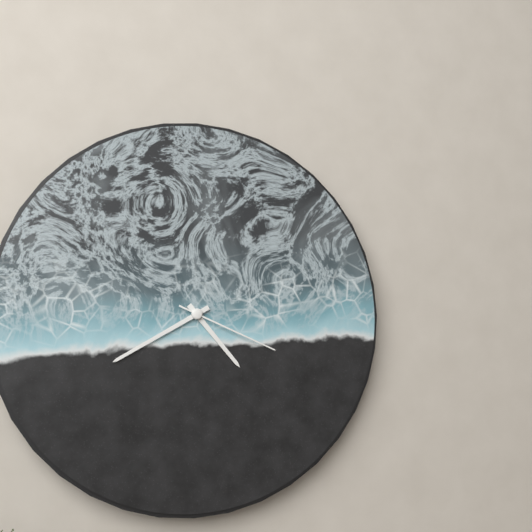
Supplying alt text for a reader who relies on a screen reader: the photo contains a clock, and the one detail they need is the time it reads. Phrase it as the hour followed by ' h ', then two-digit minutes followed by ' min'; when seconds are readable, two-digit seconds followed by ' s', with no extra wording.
4 h 40 min 19 s
